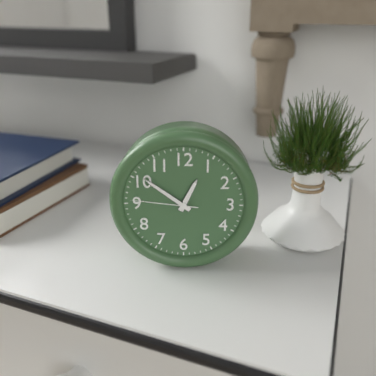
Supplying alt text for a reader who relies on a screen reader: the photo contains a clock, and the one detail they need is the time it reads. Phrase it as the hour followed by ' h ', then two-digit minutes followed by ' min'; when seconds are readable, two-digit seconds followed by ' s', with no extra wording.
12 h 51 min 46 s
